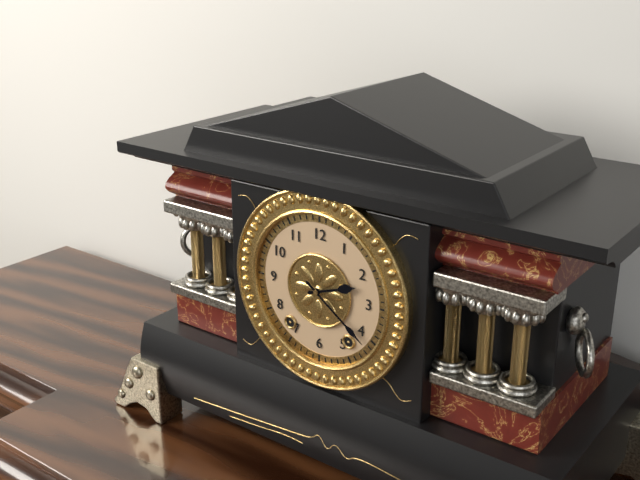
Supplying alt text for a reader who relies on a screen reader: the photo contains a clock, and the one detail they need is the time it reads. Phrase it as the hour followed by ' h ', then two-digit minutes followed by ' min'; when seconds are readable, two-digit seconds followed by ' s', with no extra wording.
2 h 21 min
